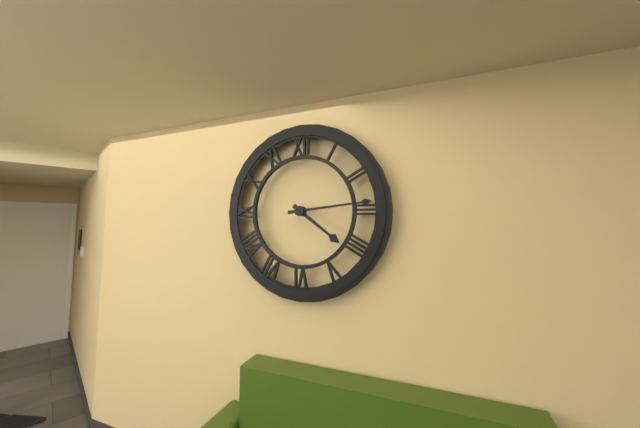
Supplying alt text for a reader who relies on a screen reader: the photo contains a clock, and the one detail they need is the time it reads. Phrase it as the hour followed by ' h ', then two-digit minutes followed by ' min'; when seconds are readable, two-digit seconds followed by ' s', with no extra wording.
4 h 14 min
